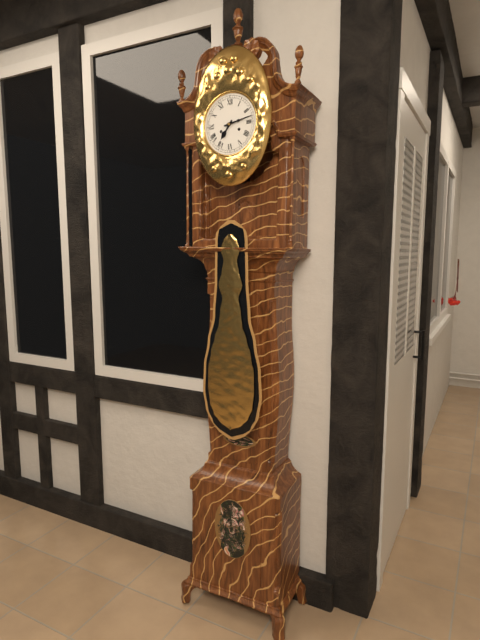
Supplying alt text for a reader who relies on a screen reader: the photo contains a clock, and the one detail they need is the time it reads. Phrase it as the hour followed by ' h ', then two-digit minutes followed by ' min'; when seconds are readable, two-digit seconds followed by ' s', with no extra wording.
7 h 13 min
